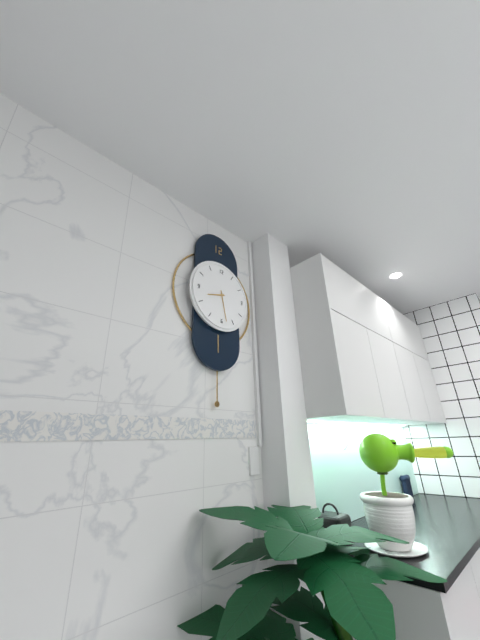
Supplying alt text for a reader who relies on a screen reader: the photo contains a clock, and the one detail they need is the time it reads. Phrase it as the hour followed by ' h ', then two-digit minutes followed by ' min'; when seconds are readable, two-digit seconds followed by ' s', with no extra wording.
8 h 28 min
